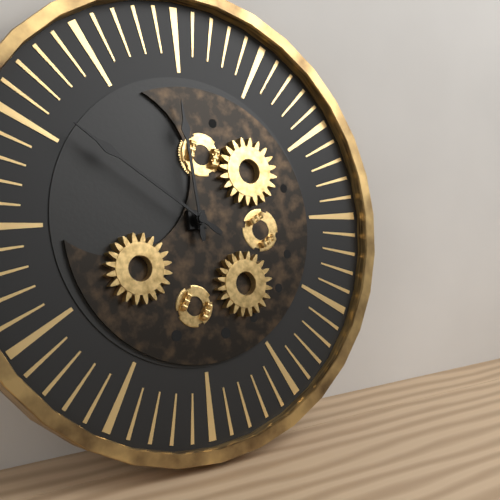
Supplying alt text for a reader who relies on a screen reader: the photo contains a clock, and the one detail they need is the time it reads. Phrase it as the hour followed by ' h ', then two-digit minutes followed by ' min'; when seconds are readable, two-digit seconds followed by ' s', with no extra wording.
11 h 51 min
